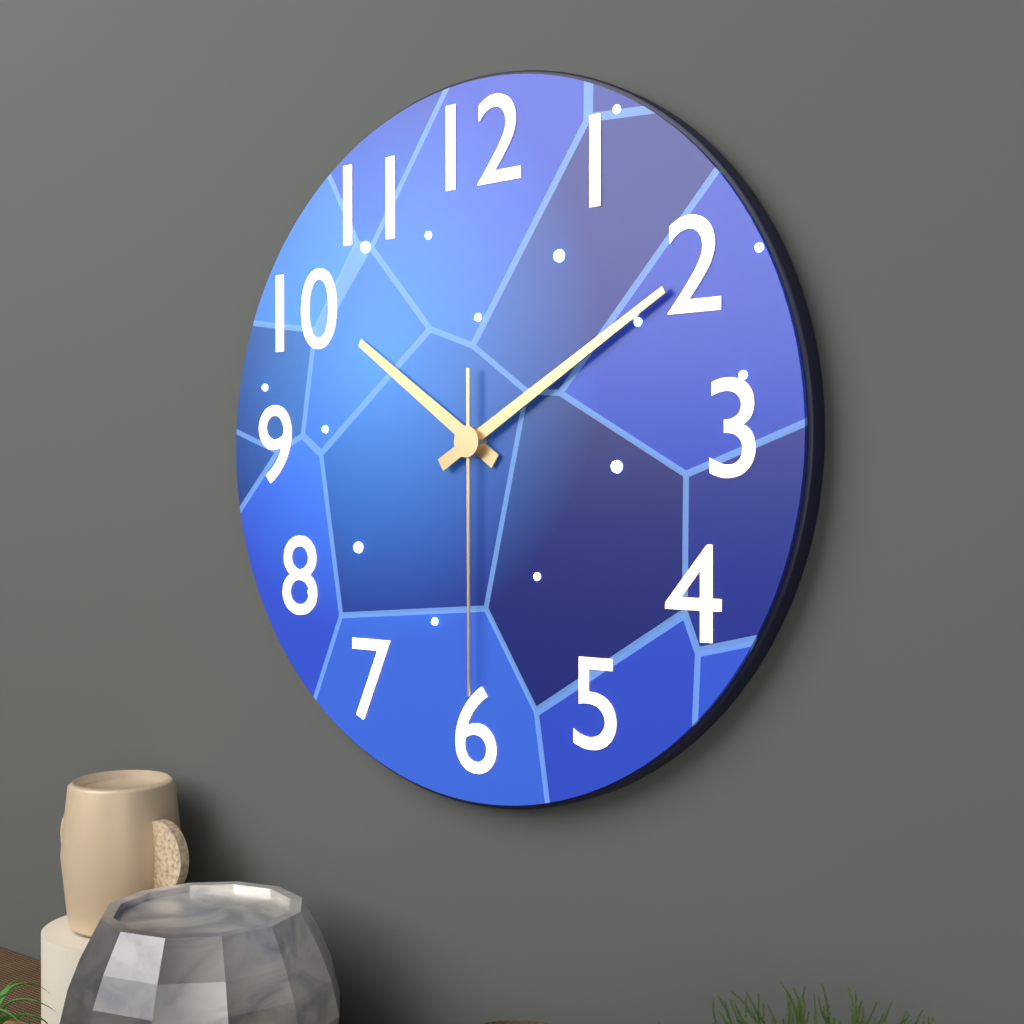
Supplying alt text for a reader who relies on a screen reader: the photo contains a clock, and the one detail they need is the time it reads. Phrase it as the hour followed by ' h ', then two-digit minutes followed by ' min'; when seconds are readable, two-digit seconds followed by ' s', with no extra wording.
10 h 10 min 30 s
